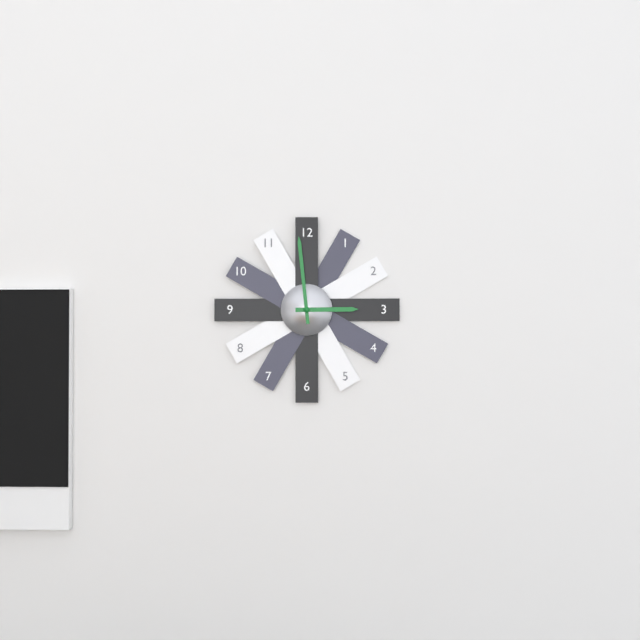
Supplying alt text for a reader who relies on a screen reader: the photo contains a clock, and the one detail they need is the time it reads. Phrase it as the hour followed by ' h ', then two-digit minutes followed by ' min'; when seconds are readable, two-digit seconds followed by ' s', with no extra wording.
2 h 59 min
